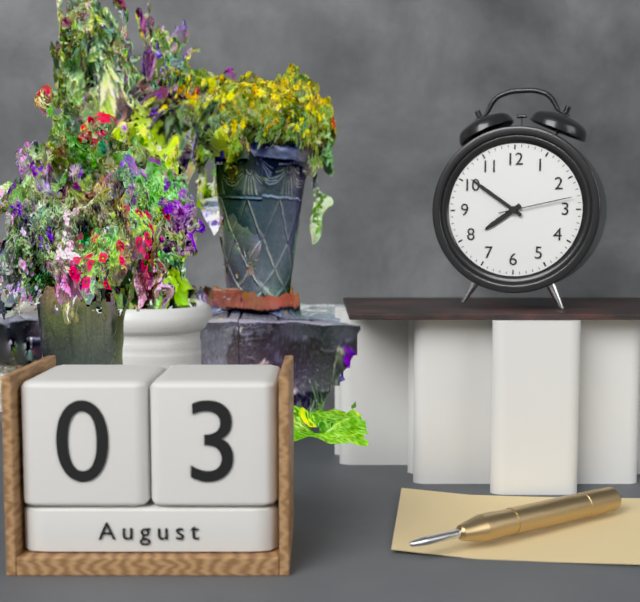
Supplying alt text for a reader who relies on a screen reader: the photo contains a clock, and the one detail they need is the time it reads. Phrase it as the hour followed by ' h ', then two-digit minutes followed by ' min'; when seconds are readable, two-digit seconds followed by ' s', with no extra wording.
7 h 51 min 13 s
